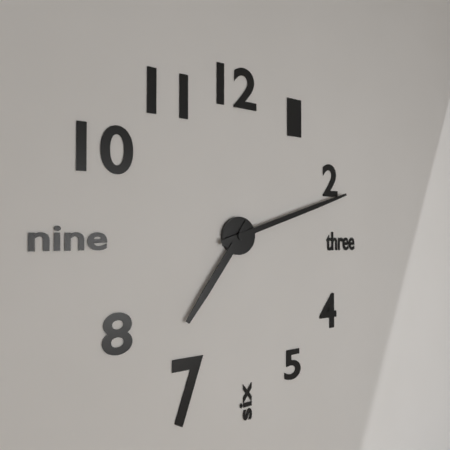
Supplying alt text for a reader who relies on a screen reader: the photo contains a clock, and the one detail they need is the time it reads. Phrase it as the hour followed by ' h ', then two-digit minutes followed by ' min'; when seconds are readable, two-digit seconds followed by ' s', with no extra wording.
7 h 12 min
